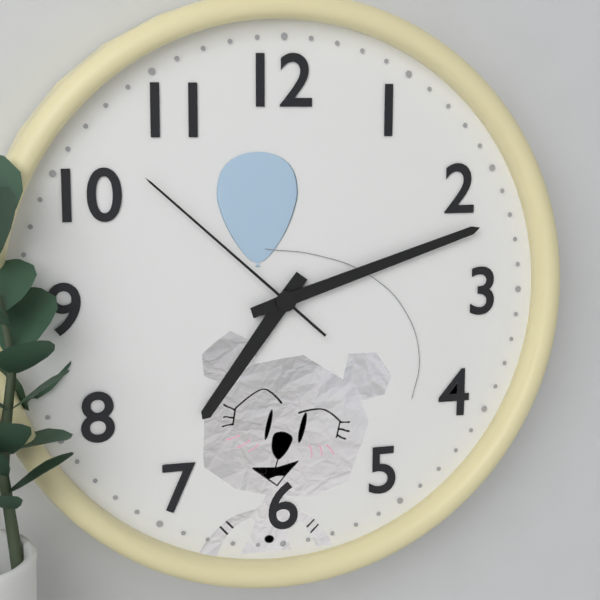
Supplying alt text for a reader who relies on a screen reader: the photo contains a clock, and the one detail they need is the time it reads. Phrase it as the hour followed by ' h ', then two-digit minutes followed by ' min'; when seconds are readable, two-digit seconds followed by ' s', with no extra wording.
7 h 12 min 52 s
